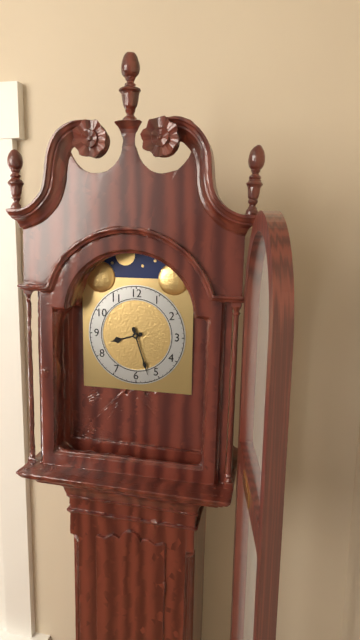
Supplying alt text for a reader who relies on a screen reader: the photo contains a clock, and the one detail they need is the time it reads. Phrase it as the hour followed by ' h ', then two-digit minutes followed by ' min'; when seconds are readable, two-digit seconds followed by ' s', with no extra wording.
8 h 27 min
